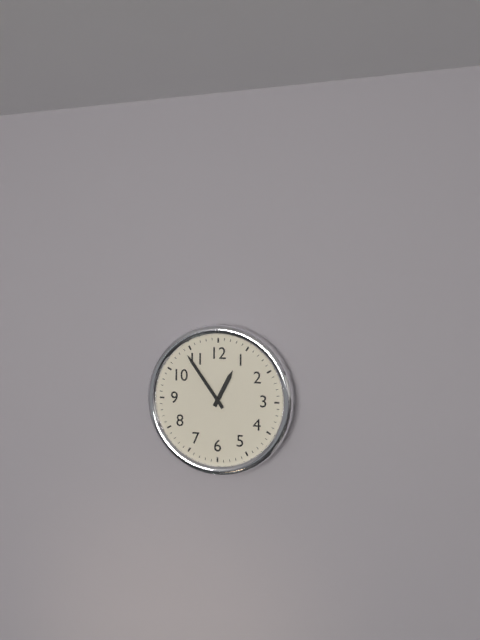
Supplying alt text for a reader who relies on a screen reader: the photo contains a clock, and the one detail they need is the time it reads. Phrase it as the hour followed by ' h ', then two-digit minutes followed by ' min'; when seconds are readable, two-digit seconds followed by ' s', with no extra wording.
12 h 54 min
